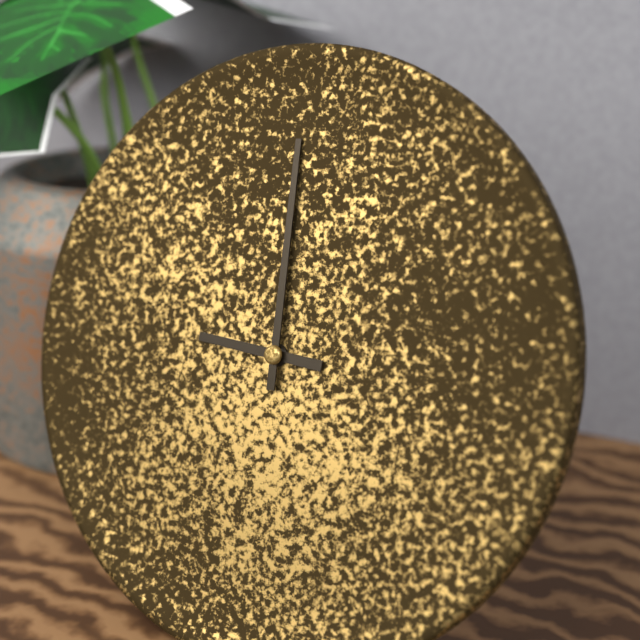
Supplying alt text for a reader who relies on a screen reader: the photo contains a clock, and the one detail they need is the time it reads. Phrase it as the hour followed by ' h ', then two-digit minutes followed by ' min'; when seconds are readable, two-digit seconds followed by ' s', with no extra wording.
8 h 59 min
